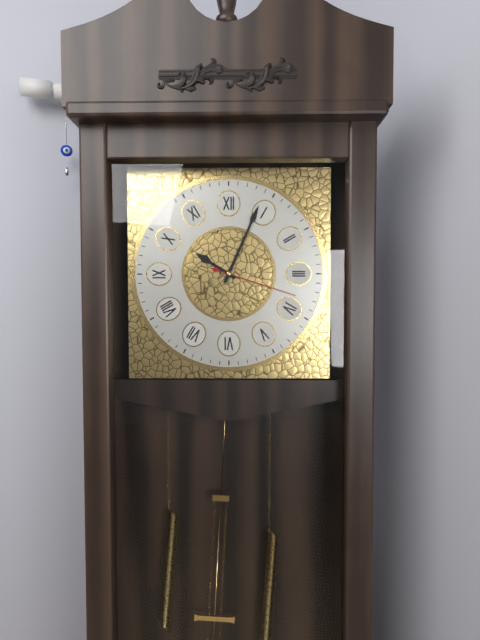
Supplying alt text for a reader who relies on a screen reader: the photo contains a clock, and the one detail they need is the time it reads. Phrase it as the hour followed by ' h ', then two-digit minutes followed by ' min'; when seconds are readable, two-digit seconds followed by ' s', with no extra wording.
10 h 04 min 18 s
